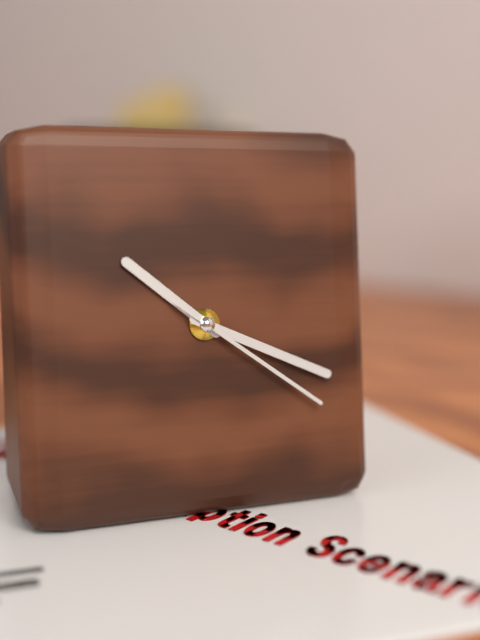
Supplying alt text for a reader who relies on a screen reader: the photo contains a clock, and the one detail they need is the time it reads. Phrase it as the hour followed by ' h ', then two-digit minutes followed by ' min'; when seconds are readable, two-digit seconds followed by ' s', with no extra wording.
10 h 19 min 21 s
